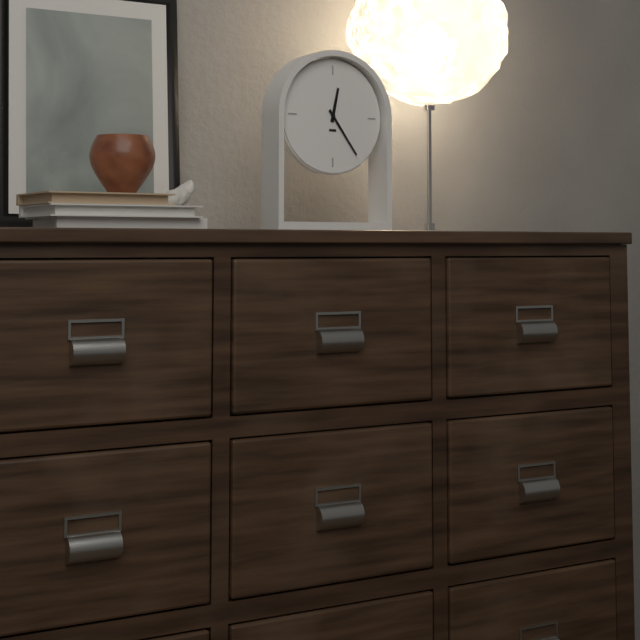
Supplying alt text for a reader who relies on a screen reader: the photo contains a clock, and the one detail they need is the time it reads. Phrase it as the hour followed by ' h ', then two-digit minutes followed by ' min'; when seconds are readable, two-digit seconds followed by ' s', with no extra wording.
12 h 24 min
